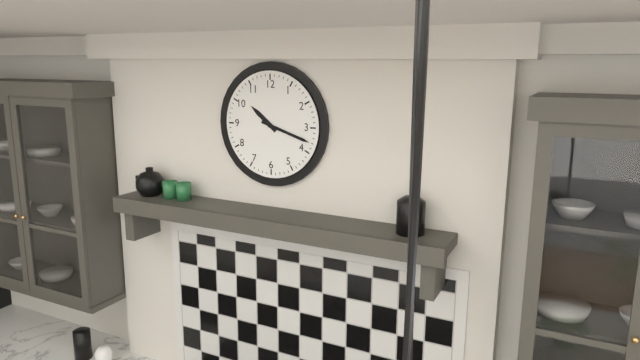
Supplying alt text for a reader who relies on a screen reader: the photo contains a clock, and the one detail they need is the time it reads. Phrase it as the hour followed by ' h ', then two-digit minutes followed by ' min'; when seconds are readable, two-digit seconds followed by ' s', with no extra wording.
10 h 18 min
